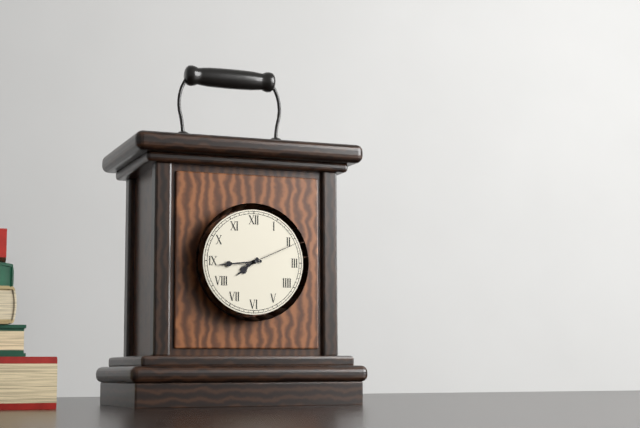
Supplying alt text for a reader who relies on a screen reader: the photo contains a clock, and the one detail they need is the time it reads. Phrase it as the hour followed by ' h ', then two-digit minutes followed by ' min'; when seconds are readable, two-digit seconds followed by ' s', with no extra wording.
7 h 44 min 11 s
